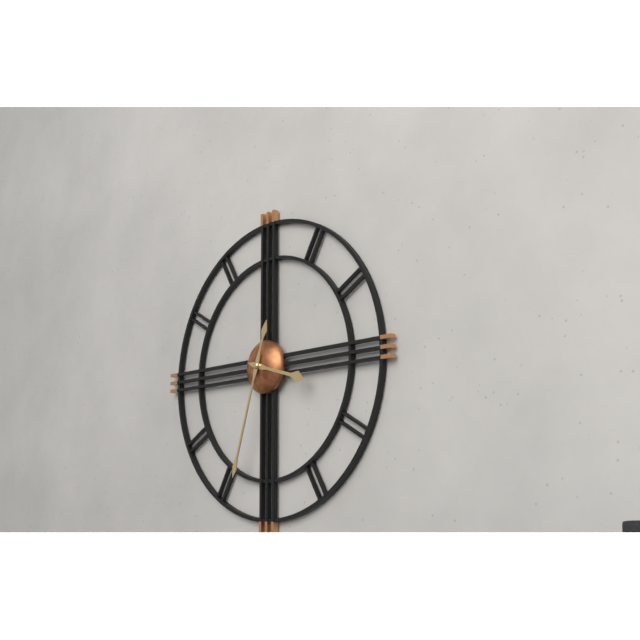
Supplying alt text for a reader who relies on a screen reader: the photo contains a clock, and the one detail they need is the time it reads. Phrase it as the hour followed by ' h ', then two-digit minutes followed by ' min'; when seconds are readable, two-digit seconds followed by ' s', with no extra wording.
3 h 33 min
